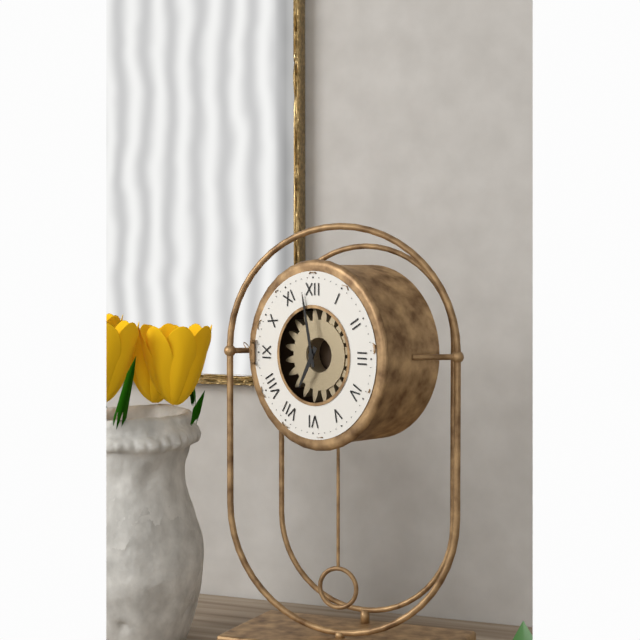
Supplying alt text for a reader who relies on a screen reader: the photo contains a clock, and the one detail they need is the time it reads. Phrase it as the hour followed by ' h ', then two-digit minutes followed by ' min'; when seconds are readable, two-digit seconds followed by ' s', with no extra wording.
6 h 58 min
